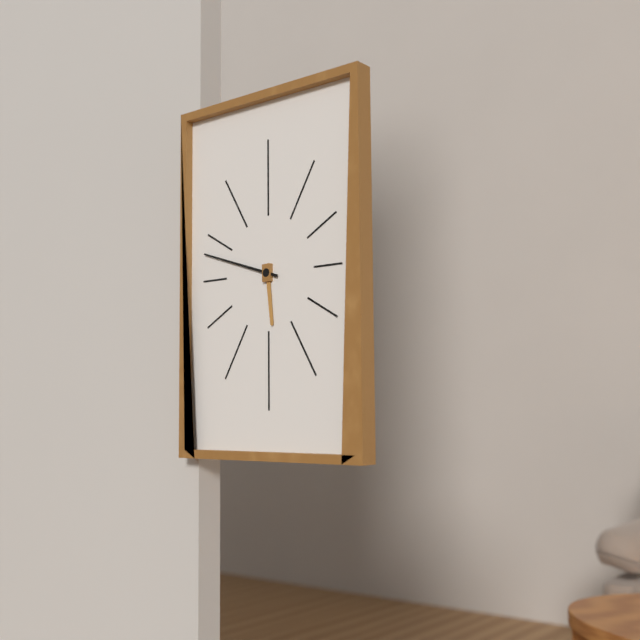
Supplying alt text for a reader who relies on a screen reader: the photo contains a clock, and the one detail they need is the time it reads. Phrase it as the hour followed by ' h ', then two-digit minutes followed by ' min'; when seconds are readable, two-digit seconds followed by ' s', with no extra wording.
5 h 48 min
